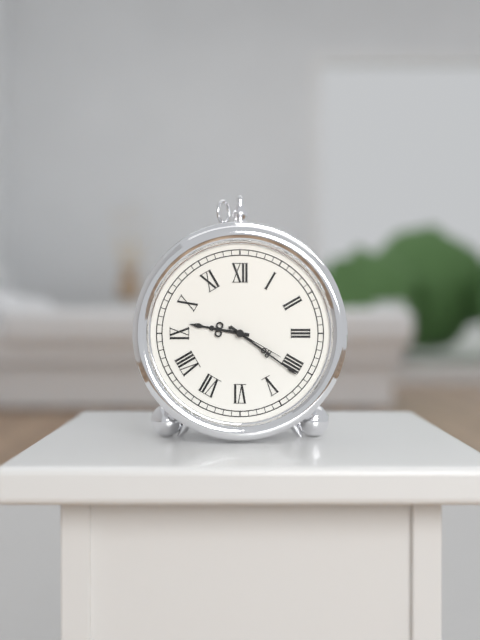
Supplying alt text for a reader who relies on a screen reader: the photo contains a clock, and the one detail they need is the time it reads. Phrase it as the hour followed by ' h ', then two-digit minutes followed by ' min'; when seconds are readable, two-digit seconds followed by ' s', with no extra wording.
9 h 21 min 20 s
